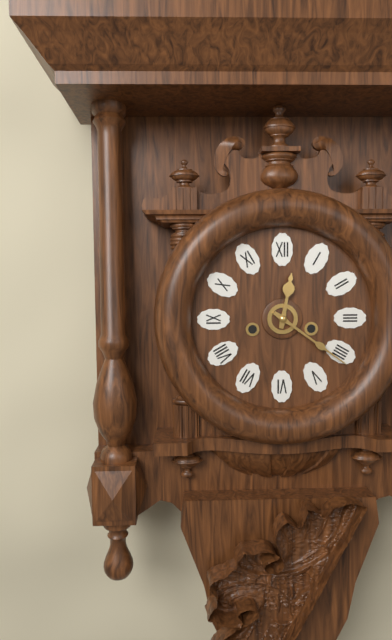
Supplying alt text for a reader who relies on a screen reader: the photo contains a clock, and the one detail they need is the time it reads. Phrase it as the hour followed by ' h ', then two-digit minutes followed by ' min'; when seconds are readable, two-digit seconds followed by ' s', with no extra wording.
12 h 21 min
